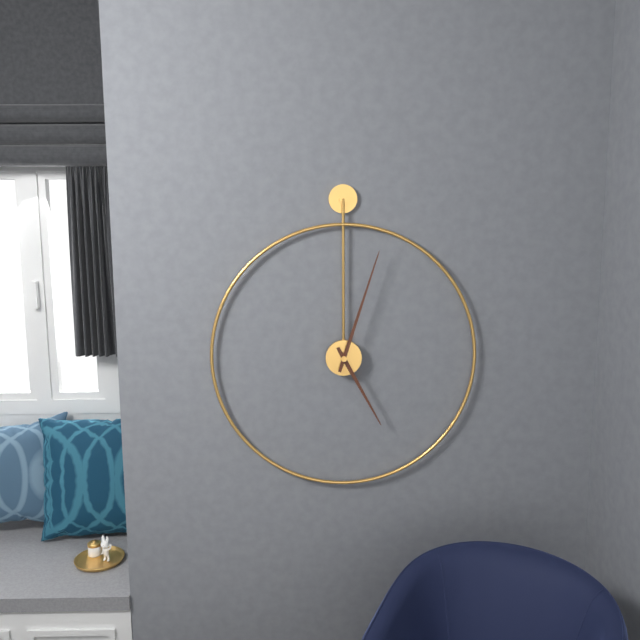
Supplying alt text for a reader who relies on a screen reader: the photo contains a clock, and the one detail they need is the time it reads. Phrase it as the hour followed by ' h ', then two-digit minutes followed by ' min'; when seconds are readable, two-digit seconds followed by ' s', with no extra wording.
5 h 03 min
